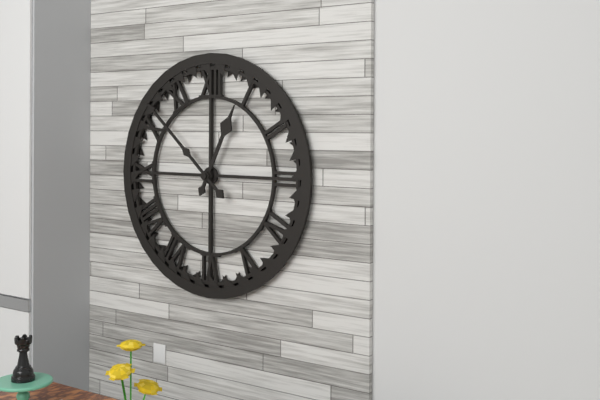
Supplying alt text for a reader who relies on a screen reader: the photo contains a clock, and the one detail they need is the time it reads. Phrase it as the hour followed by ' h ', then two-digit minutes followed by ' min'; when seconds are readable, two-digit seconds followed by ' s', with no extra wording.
12 h 52 min
